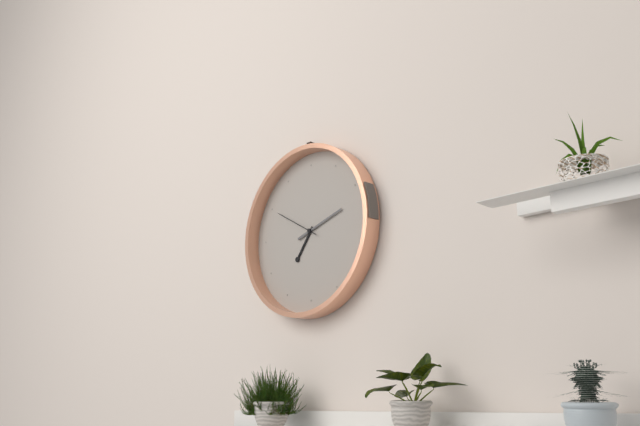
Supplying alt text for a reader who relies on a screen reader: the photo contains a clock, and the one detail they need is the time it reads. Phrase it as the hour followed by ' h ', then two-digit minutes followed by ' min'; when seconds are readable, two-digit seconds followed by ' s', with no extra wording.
7 h 12 min
